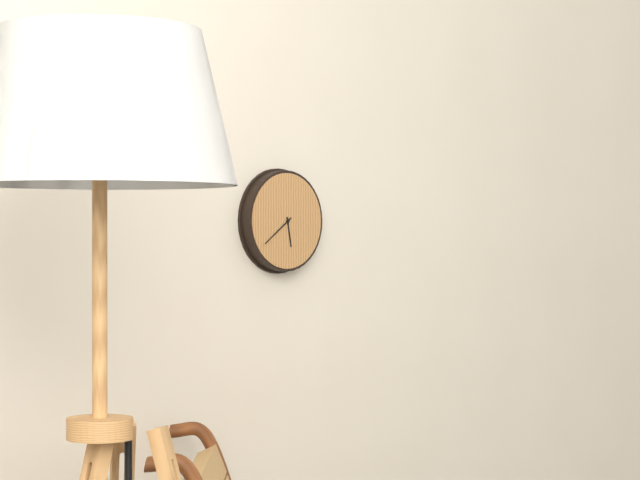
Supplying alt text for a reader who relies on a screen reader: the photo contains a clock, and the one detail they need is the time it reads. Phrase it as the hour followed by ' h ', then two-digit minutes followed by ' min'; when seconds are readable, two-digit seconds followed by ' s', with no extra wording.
5 h 39 min
